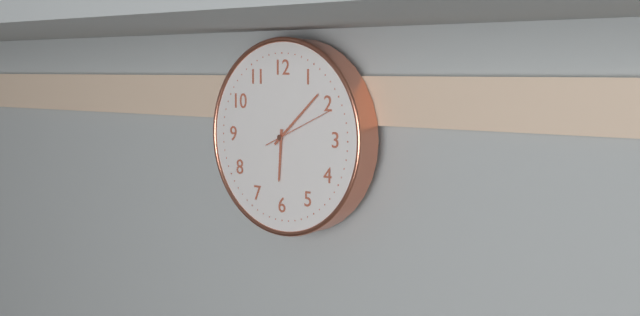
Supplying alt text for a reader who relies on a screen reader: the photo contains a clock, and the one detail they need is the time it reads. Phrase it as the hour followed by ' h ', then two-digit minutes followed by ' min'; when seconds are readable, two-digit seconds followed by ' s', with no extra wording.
6 h 08 min 11 s
